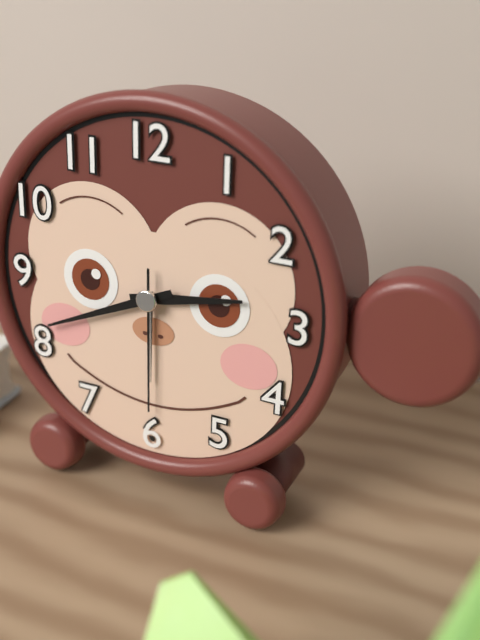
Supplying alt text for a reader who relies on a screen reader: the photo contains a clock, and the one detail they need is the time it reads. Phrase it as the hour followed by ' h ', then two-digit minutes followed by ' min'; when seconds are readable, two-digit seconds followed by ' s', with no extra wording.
2 h 41 min 30 s
